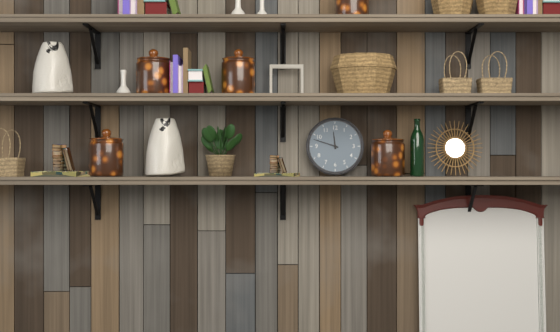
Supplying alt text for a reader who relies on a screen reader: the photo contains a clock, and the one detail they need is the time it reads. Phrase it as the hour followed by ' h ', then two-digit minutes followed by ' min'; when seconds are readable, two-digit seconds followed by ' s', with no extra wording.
11 h 48 min
